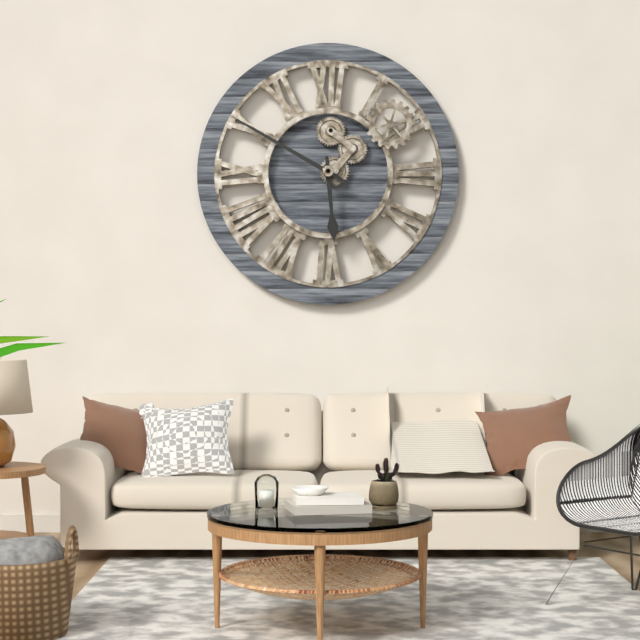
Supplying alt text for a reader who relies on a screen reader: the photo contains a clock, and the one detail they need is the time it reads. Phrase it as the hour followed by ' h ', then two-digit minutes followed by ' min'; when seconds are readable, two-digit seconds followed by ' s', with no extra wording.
5 h 50 min
